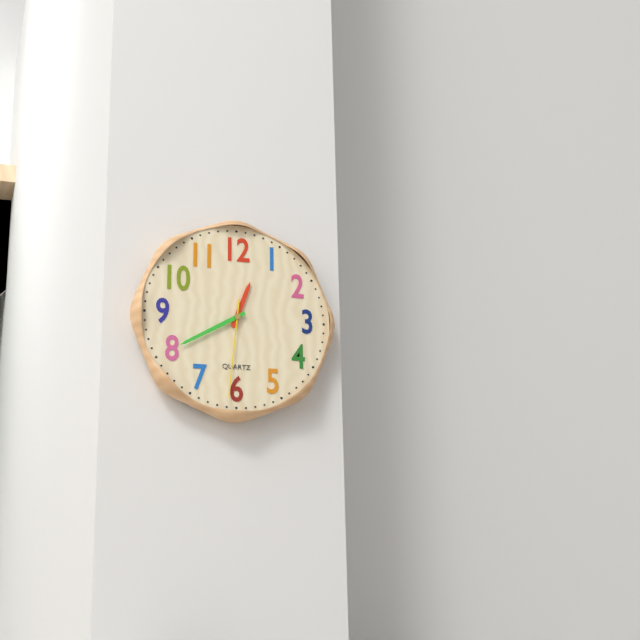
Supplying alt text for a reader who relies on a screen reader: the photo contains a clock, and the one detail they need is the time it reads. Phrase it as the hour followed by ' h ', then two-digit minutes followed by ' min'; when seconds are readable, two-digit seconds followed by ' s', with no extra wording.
12 h 40 min 31 s
